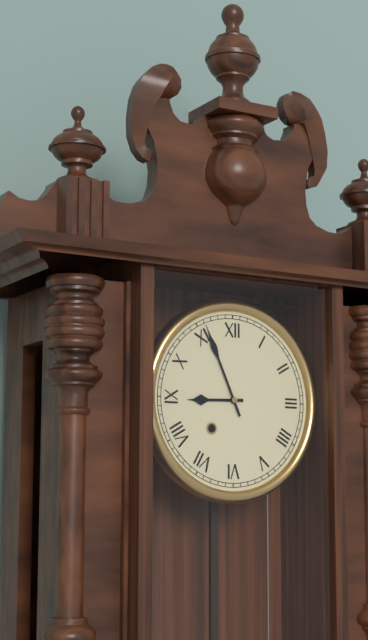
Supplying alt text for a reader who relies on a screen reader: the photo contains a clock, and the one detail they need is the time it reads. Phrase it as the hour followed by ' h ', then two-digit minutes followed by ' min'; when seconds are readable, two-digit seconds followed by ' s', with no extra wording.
8 h 56 min
